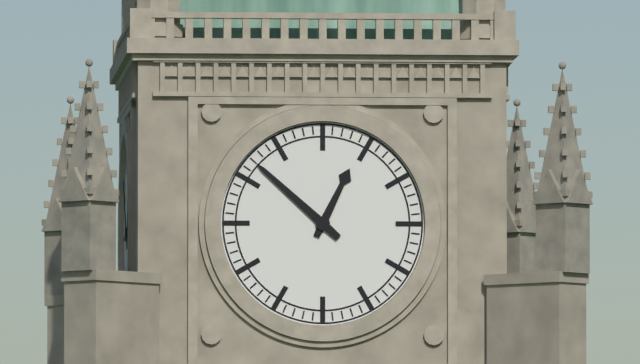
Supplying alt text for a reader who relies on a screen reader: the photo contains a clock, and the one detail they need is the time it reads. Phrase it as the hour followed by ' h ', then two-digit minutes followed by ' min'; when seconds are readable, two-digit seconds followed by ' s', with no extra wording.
12 h 52 min
